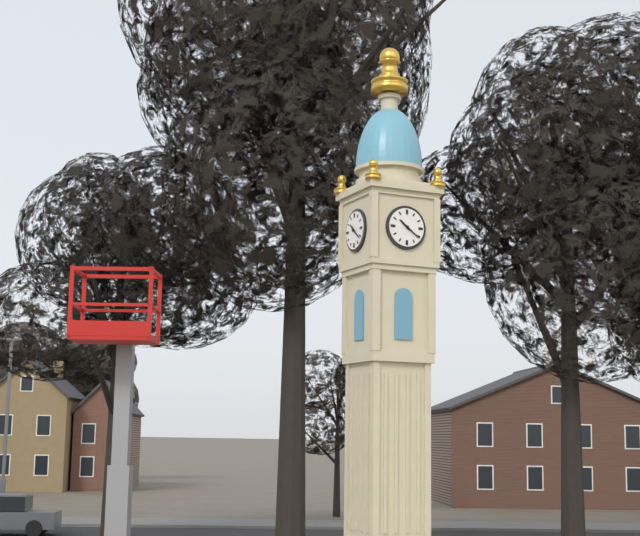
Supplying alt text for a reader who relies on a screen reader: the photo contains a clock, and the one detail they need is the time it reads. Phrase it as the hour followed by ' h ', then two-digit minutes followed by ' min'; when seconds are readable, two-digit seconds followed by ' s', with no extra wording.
10 h 21 min
